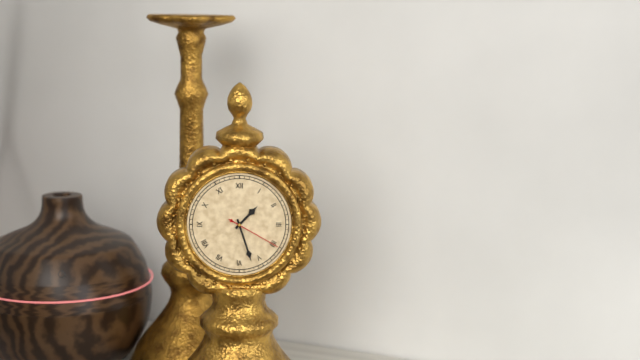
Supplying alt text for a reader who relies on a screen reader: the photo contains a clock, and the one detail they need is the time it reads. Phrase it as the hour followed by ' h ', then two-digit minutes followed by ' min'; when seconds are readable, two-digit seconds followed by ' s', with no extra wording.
1 h 27 min 20 s
